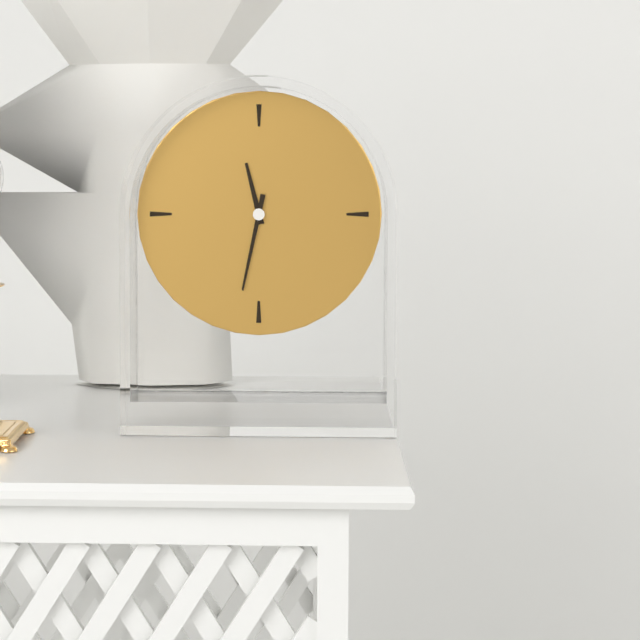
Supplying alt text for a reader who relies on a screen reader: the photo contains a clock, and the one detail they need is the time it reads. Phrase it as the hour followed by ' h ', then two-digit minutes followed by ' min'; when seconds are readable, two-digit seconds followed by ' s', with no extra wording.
11 h 32 min
